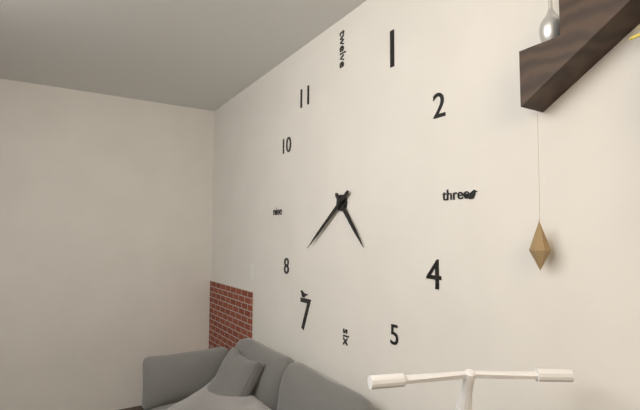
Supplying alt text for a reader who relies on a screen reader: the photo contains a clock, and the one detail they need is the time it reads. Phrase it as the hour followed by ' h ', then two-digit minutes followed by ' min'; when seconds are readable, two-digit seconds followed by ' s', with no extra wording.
4 h 39 min
